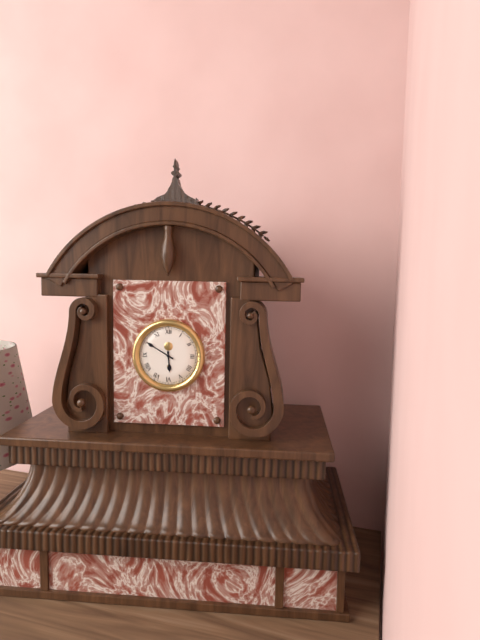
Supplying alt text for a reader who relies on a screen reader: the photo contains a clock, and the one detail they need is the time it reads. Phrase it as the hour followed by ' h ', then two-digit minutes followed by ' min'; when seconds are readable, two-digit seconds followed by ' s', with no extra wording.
5 h 50 min
